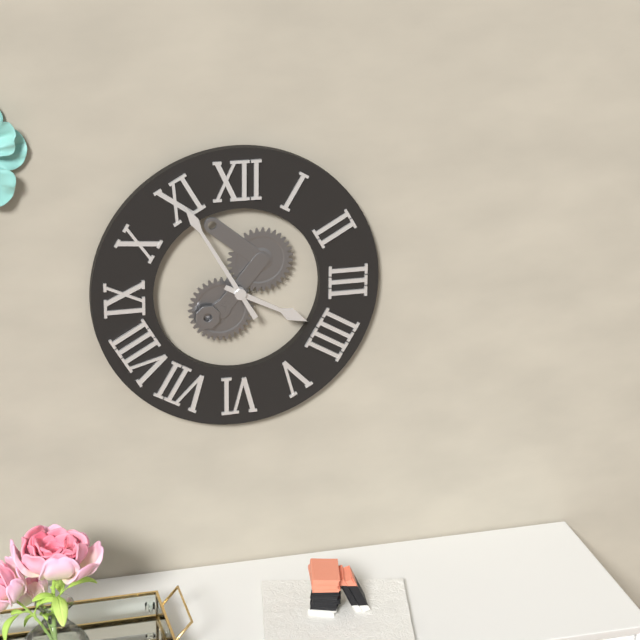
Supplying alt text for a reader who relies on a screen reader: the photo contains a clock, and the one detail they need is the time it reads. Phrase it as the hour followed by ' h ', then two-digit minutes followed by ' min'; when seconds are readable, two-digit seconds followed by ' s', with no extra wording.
3 h 55 min
